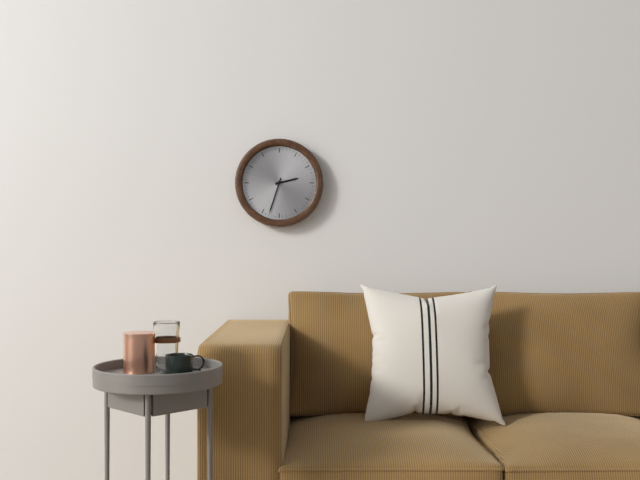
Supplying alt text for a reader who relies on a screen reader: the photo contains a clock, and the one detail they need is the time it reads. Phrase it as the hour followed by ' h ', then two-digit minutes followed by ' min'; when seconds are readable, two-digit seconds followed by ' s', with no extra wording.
2 h 33 min
